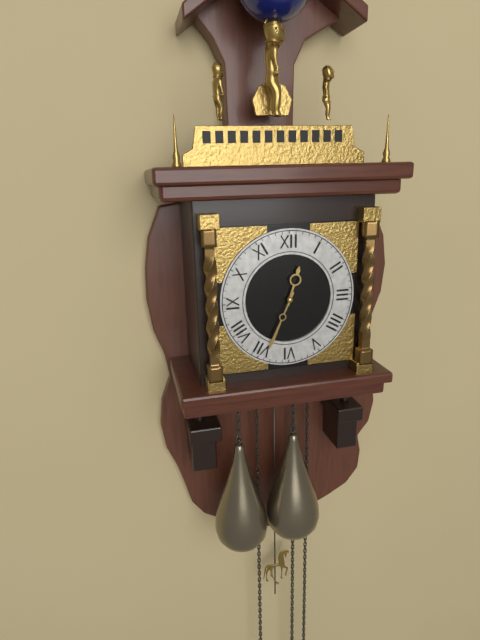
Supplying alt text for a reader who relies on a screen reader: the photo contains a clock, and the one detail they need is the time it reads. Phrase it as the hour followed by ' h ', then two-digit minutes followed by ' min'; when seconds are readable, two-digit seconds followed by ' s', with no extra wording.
12 h 34 min
